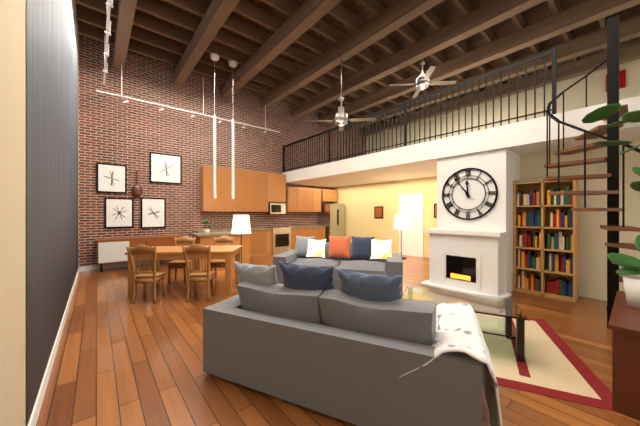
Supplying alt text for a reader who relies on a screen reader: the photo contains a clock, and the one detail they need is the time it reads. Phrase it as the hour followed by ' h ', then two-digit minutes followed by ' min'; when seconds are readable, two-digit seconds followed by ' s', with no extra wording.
11 h 54 min
